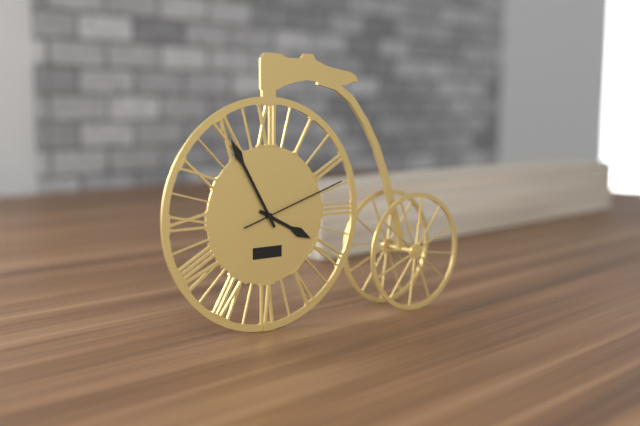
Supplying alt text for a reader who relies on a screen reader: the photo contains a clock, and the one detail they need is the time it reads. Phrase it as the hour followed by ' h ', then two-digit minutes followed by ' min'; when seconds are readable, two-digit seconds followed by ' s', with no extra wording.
3 h 55 min 12 s
